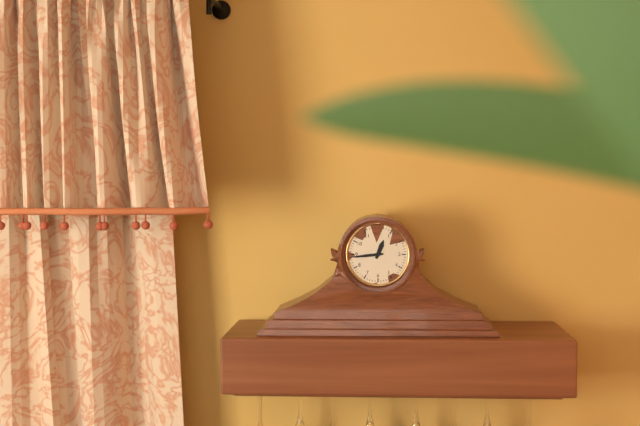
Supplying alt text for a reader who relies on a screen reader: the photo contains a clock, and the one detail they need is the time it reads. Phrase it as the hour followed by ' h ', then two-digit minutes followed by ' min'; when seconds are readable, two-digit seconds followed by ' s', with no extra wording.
12 h 44 min
